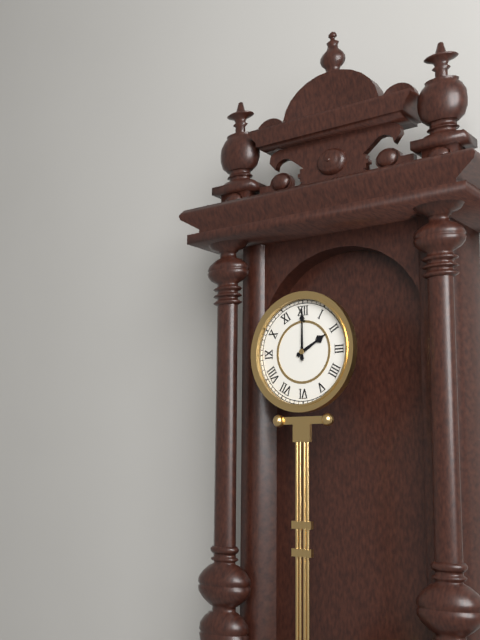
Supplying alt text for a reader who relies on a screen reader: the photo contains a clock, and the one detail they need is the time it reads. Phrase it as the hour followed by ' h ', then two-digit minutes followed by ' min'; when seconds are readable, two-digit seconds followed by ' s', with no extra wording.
2 h 00 min
